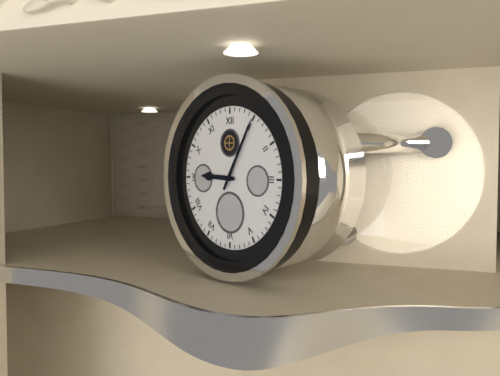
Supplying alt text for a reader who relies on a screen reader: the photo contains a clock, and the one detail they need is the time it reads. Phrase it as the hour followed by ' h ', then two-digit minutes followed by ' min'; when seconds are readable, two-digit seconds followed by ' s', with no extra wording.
9 h 05 min
